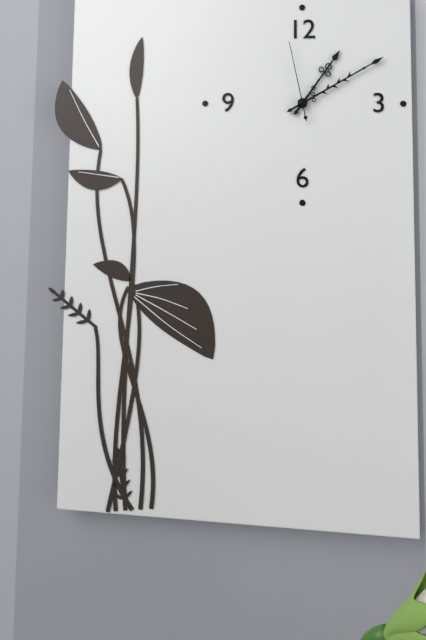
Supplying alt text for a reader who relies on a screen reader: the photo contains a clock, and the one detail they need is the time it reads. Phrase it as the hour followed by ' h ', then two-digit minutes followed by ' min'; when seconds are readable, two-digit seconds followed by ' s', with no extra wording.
1 h 10 min 58 s
